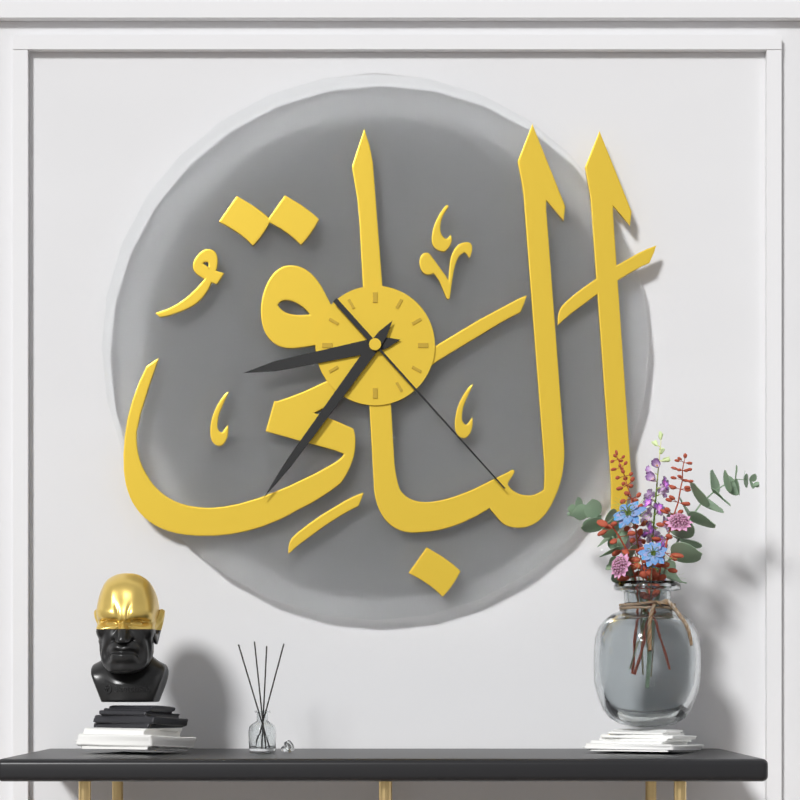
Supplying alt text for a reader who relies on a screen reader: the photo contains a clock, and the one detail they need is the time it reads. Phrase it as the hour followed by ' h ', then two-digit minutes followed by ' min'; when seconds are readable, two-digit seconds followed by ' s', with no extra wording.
8 h 36 min 23 s
